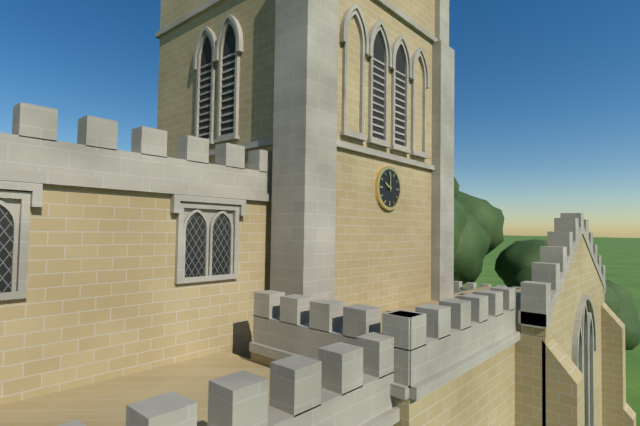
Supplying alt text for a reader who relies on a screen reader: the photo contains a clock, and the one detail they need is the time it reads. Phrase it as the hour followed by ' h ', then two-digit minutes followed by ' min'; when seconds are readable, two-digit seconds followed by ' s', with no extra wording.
10 h 00 min
